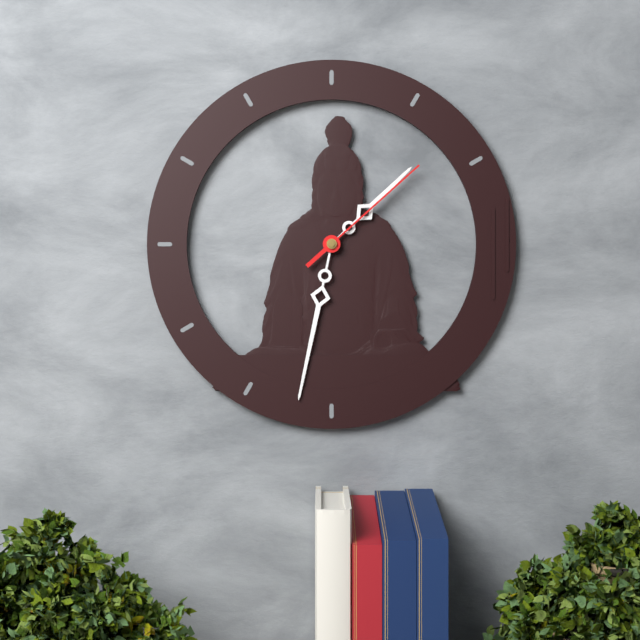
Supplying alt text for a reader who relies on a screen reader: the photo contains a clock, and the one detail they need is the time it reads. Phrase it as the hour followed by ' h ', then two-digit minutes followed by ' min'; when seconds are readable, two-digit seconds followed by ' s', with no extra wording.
1 h 32 min 08 s
